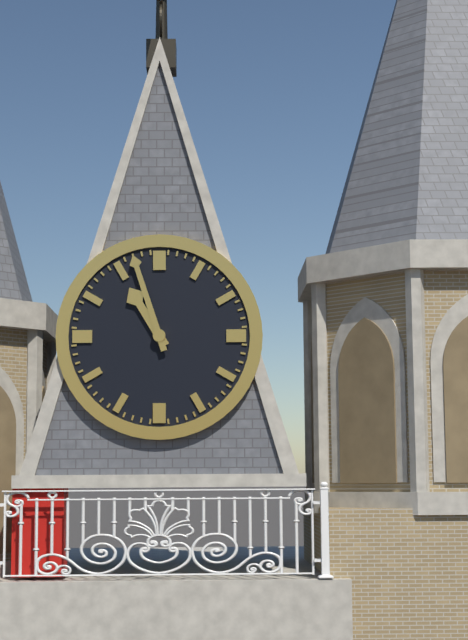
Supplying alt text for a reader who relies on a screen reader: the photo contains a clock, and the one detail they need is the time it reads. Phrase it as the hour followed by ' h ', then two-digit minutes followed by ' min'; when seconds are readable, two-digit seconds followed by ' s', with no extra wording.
10 h 57 min
